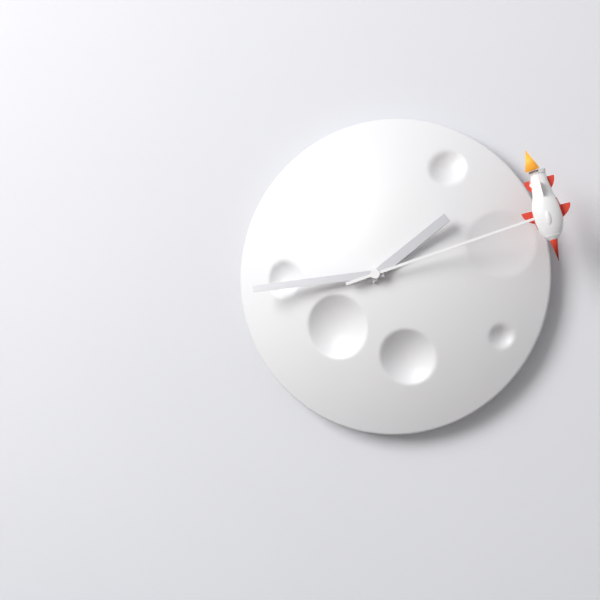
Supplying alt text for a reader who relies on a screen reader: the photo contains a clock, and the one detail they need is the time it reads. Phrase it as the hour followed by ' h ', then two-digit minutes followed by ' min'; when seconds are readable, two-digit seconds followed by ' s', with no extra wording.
1 h 44 min 12 s
